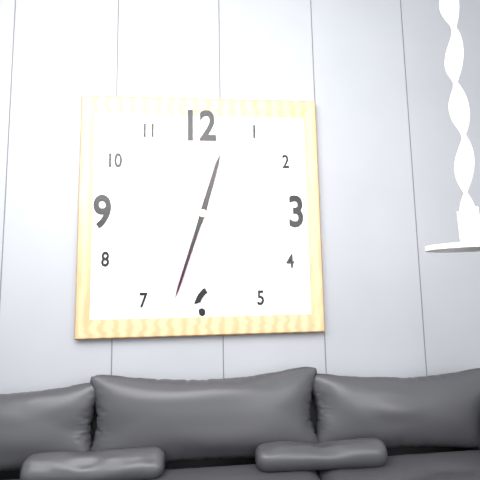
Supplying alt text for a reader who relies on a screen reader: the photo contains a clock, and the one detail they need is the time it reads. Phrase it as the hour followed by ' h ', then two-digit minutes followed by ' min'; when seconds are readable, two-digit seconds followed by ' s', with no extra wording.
12 h 33 min
